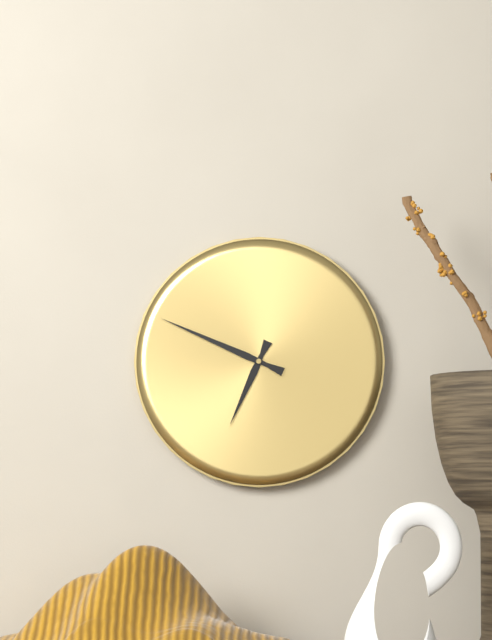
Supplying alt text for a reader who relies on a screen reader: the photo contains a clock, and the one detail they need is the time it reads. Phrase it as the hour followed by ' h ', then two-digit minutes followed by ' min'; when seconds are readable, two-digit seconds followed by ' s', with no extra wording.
6 h 49 min
